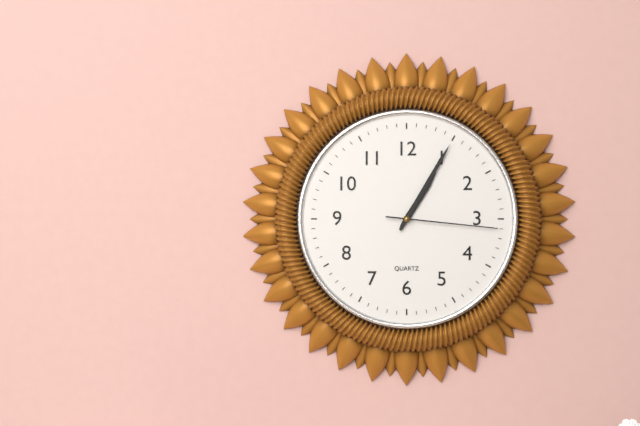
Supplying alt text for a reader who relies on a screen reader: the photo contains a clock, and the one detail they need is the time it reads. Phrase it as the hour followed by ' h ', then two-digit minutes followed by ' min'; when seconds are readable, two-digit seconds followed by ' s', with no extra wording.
1 h 05 min 16 s
